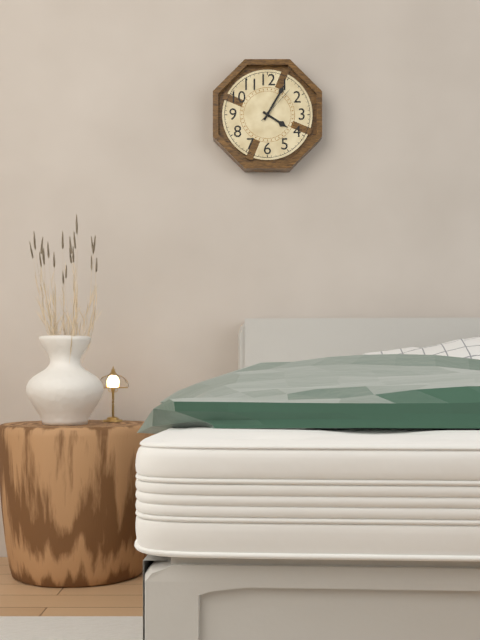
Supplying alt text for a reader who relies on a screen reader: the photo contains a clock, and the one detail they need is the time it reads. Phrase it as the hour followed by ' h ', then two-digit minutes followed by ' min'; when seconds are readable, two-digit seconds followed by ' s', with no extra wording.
4 h 05 min
